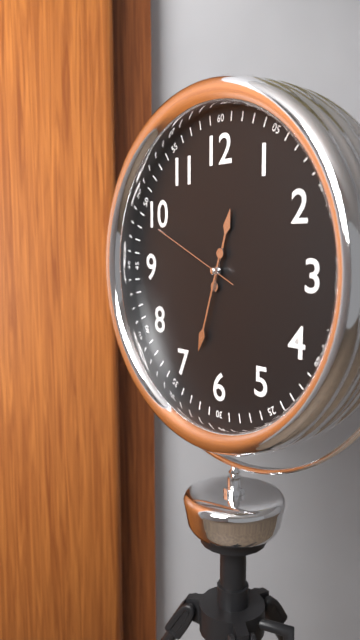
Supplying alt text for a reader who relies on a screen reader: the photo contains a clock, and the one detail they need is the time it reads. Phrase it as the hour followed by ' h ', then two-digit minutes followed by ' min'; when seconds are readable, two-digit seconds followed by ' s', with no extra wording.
12 h 33 min 49 s
